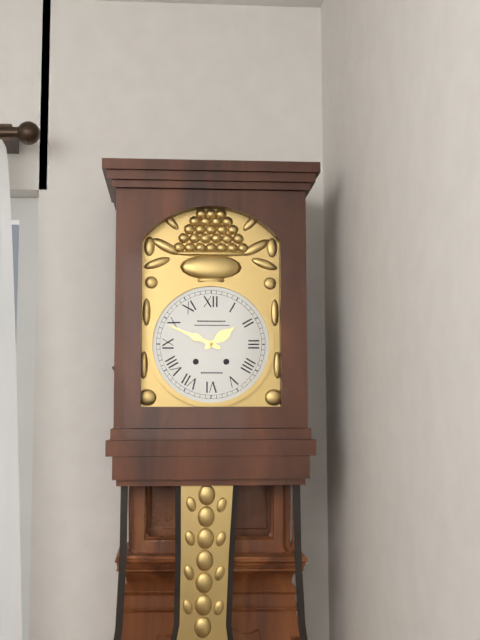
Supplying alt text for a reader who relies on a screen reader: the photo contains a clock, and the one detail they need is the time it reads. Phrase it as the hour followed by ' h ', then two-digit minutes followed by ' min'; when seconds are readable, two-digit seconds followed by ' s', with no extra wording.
1 h 49 min
